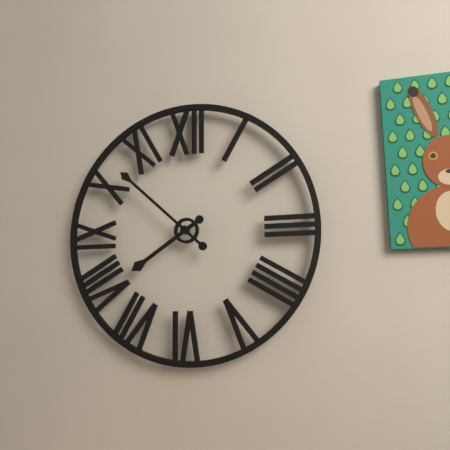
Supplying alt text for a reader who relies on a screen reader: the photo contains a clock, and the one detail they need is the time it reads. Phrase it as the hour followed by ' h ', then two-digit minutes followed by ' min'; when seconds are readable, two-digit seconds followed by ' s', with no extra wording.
7 h 52 min
